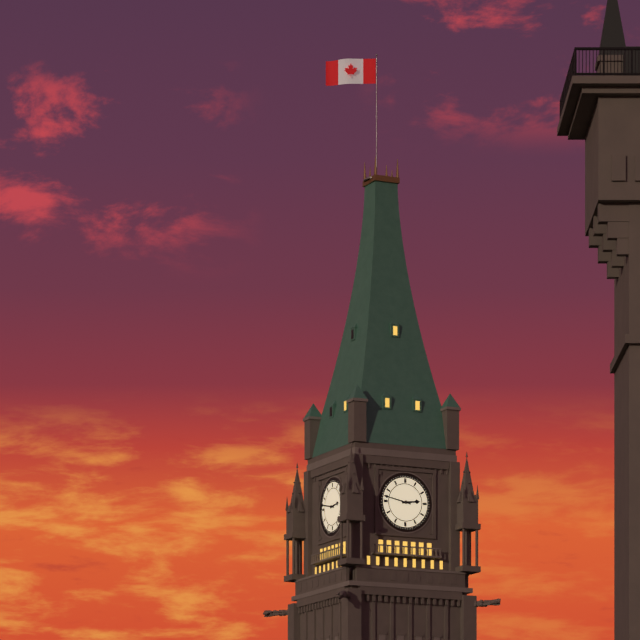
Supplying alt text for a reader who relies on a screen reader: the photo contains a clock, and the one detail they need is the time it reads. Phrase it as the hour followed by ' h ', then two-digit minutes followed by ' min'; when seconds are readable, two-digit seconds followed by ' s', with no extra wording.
2 h 47 min
